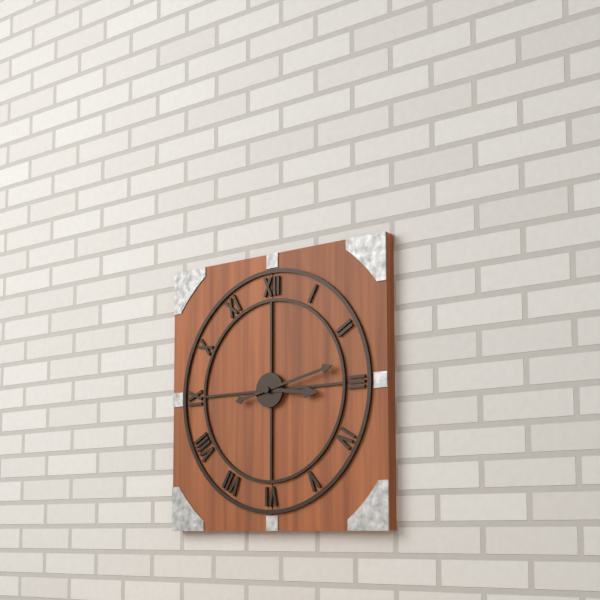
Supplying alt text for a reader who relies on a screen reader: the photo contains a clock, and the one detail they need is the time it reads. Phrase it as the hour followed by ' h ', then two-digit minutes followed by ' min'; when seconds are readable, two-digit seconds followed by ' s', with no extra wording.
3 h 13 min
